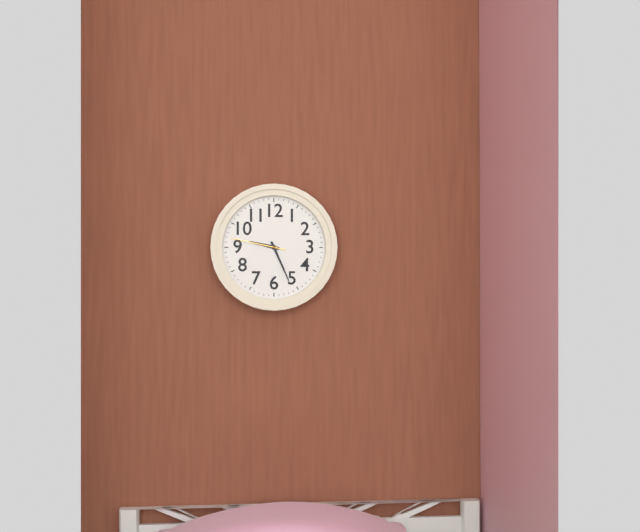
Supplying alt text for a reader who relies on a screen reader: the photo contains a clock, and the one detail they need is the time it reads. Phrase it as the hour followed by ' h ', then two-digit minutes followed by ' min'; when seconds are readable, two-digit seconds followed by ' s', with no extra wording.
9 h 26 min 47 s
